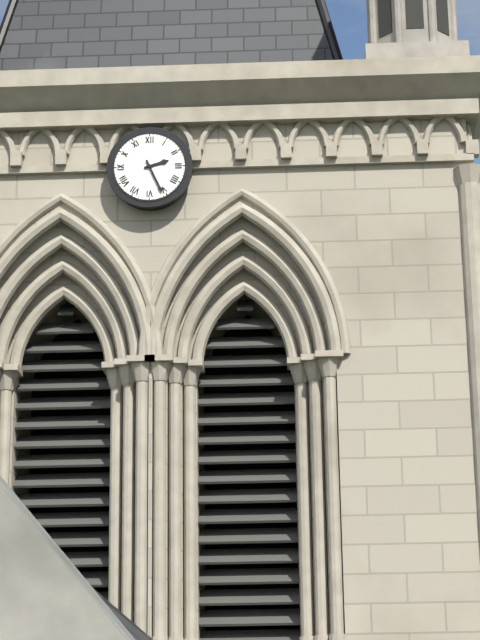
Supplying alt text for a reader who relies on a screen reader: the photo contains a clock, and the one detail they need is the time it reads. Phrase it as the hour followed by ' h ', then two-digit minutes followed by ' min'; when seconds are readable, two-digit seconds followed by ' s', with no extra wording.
2 h 26 min
